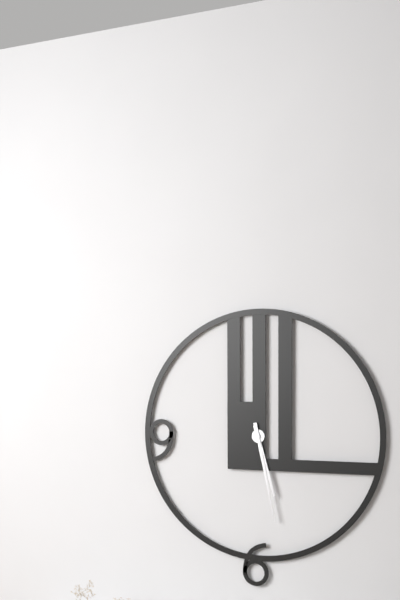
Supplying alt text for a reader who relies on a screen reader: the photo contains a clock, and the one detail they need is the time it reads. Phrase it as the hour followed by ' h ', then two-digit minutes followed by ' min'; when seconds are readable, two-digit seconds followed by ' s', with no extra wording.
5 h 28 min
